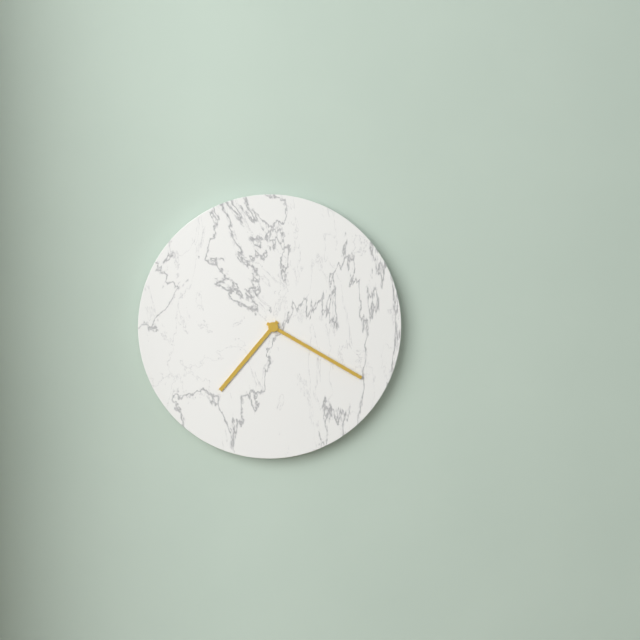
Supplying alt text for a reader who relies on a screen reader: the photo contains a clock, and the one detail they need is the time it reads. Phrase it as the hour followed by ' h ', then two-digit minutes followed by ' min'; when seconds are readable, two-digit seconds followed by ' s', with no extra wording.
7 h 20 min
